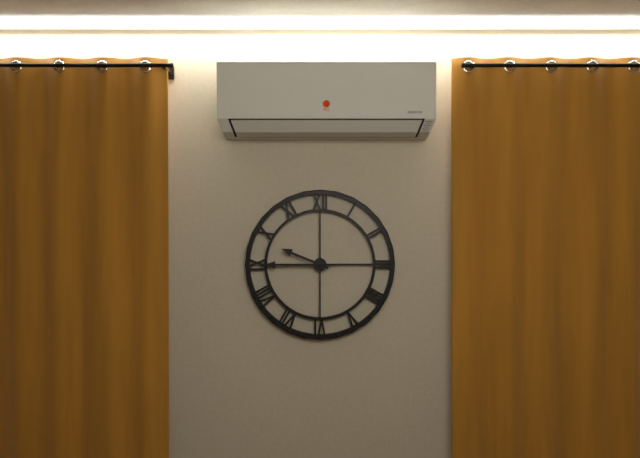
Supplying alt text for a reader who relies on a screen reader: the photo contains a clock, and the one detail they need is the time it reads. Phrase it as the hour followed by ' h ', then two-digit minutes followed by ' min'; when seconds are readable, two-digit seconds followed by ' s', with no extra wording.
9 h 45 min
